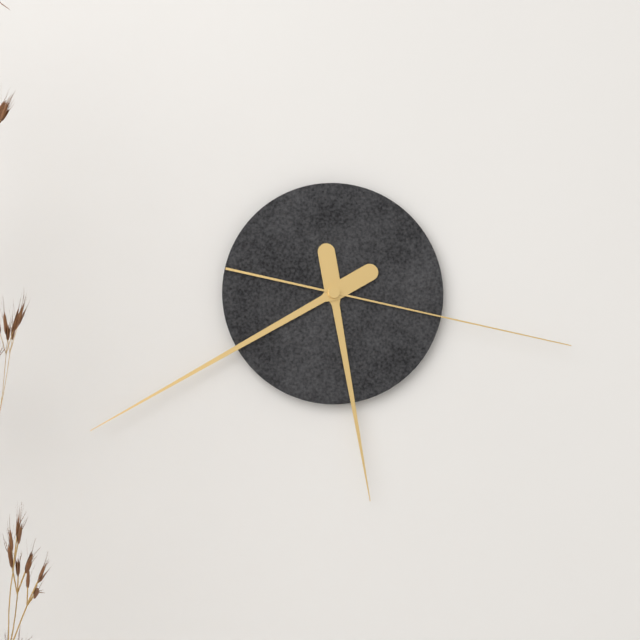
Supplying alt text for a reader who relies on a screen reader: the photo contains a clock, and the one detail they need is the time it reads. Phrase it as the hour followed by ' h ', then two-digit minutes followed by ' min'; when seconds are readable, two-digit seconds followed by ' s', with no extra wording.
5 h 40 min 17 s
